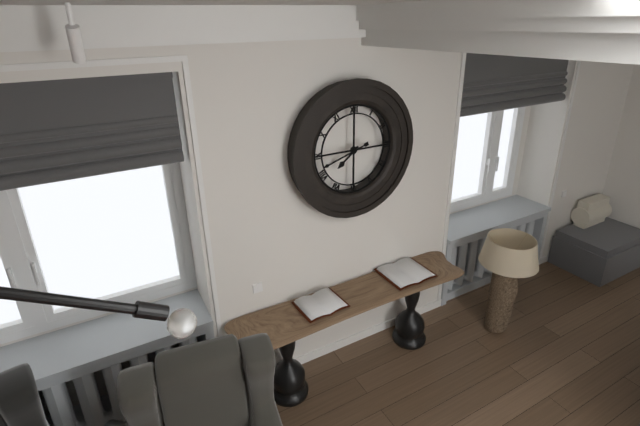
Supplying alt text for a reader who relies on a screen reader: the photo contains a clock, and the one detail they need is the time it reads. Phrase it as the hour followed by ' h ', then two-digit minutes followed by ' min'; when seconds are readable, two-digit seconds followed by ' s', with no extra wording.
7 h 42 min
